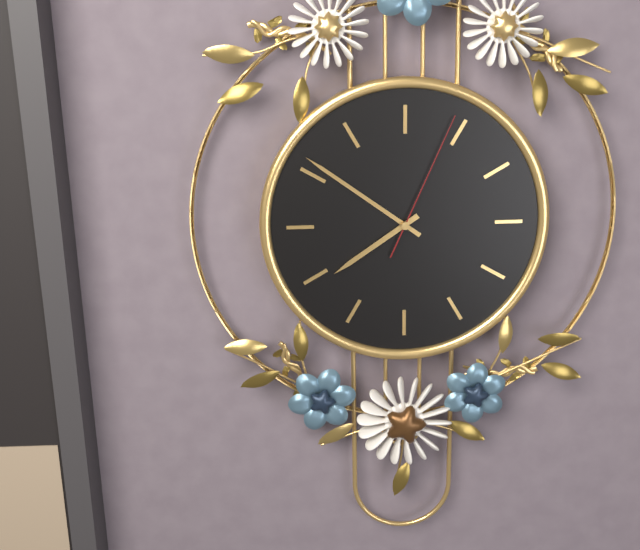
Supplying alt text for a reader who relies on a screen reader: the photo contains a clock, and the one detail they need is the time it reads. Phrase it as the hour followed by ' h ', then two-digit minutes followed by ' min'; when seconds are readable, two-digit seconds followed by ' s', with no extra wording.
7 h 51 min 04 s
